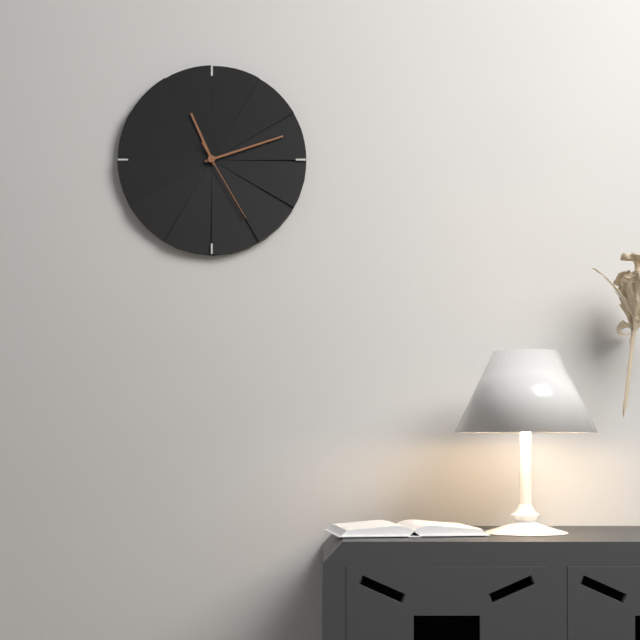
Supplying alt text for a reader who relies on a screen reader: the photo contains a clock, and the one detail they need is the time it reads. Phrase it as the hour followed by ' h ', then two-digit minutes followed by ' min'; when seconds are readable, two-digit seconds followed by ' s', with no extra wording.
11 h 12 min 25 s
